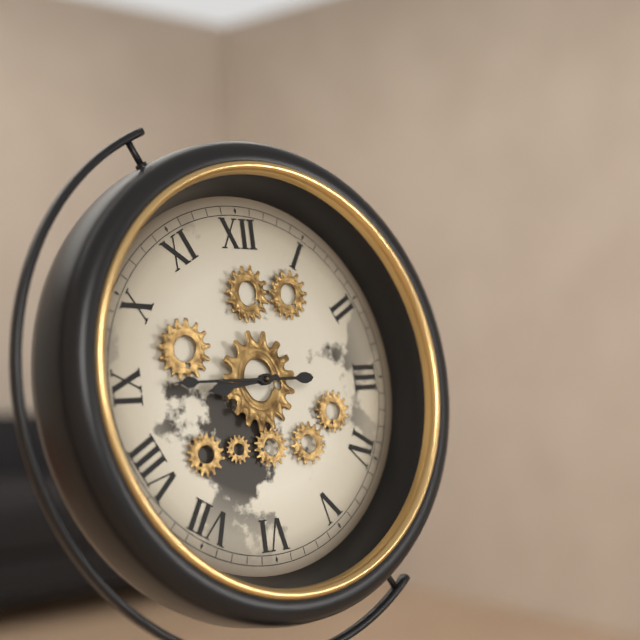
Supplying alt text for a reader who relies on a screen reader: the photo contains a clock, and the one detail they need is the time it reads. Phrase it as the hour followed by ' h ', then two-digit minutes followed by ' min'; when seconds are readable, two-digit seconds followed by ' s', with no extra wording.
8 h 45 min
